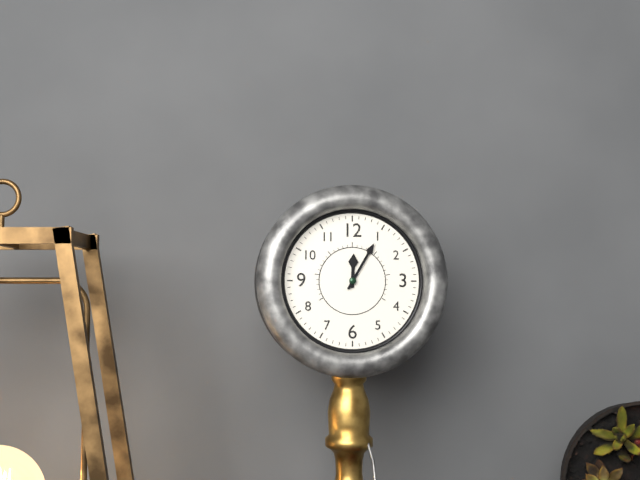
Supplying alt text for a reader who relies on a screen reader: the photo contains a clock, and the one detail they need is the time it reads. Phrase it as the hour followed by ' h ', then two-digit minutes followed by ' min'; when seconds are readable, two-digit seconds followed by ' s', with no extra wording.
12 h 05 min
